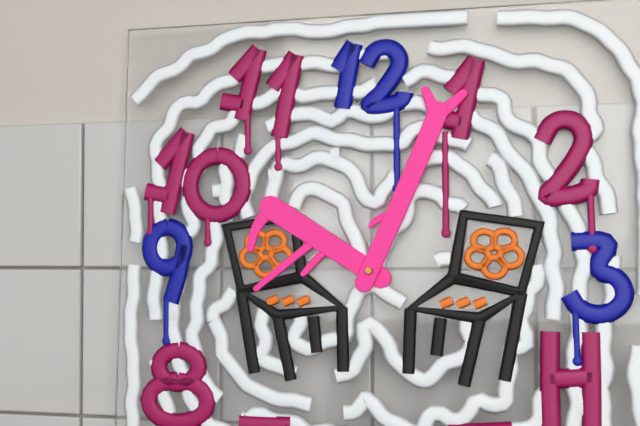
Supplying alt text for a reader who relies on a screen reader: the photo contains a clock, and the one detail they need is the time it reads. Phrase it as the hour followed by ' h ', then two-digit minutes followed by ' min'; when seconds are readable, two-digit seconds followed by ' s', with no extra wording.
10 h 04 min
